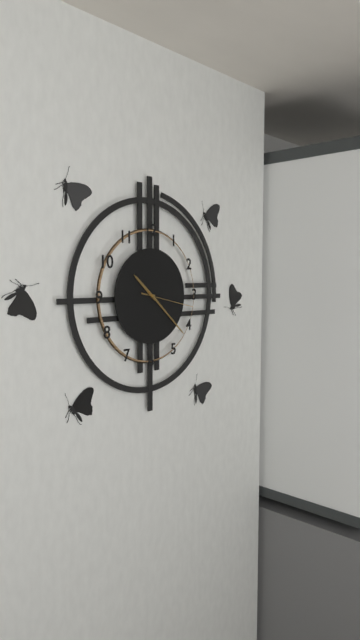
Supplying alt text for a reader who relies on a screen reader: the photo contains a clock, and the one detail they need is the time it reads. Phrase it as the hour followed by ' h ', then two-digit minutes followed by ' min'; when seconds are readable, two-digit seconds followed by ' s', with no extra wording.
10 h 22 min 17 s
